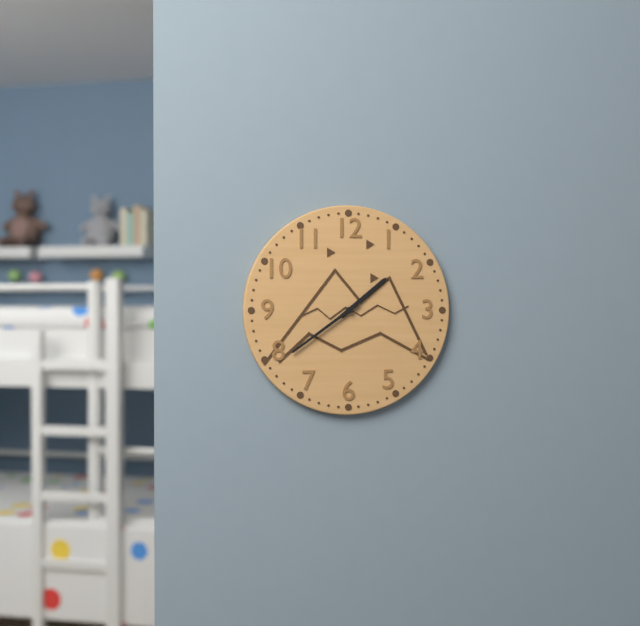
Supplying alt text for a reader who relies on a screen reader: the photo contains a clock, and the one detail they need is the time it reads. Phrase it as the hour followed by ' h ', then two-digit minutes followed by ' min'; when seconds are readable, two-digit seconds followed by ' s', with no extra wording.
1 h 39 min
